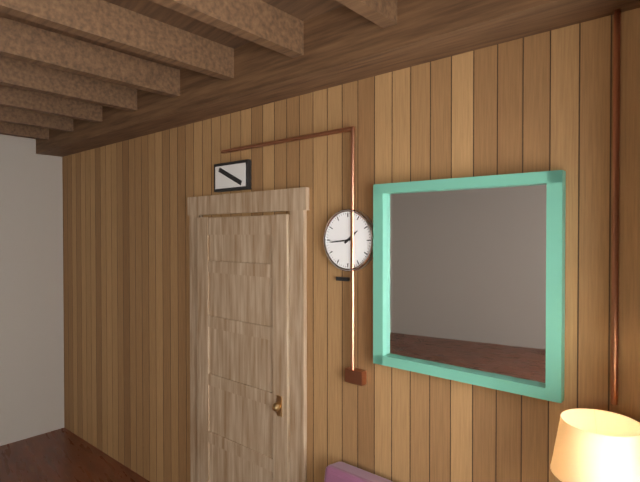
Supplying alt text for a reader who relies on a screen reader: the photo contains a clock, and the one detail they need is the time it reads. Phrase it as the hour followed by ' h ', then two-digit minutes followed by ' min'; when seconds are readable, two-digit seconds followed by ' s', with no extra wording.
1 h 44 min
